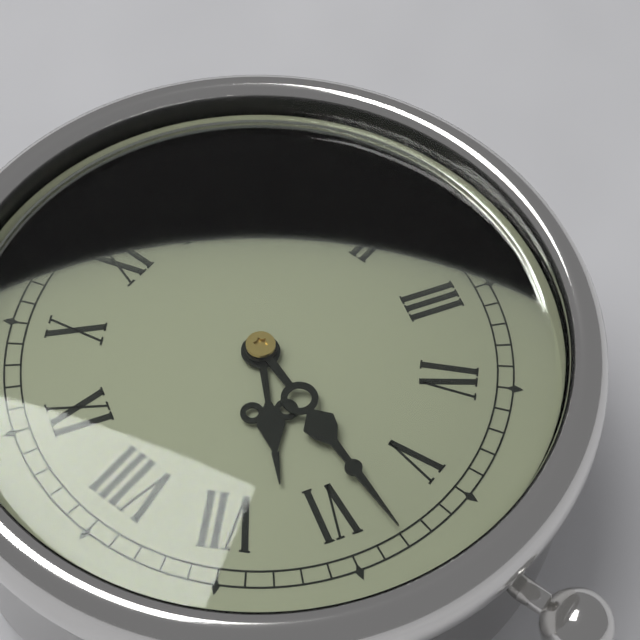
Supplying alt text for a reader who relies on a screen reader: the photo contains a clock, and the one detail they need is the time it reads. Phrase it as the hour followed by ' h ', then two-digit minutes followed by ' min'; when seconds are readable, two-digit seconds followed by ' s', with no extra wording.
6 h 28 min
